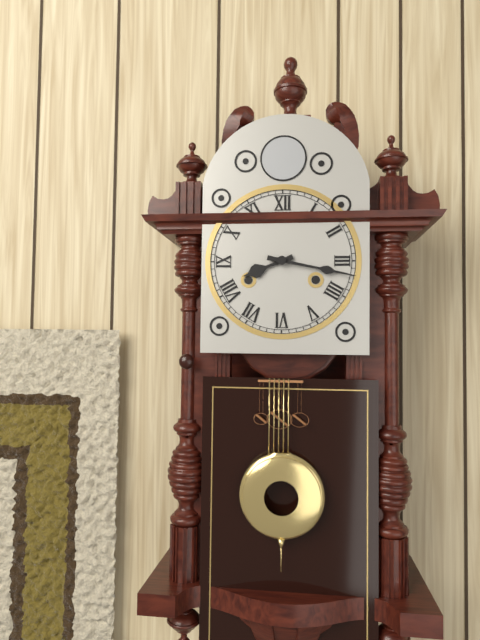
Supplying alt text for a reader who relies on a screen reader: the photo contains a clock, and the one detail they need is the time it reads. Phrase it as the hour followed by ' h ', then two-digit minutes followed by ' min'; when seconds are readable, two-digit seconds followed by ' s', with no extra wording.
8 h 17 min
